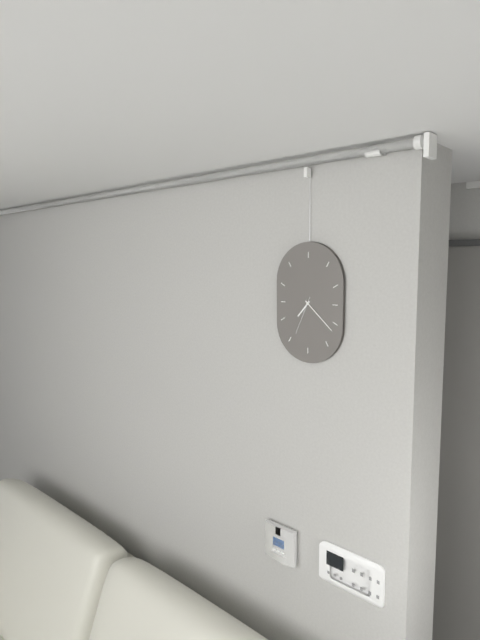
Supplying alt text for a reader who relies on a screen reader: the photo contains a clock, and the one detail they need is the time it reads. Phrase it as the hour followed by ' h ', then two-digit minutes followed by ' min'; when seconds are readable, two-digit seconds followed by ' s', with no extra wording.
7 h 22 min
